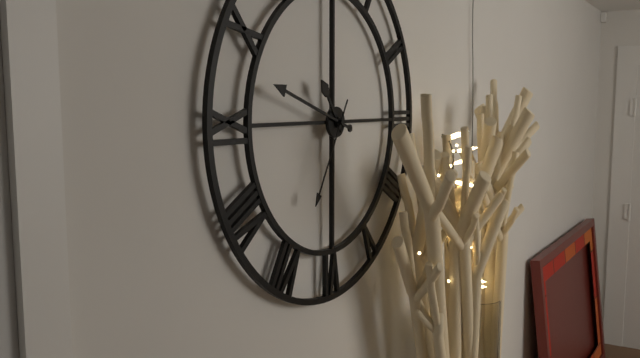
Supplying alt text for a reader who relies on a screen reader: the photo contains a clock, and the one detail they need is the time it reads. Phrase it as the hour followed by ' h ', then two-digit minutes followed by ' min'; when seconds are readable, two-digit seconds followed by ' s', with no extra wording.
10 h 48 min 35 s
